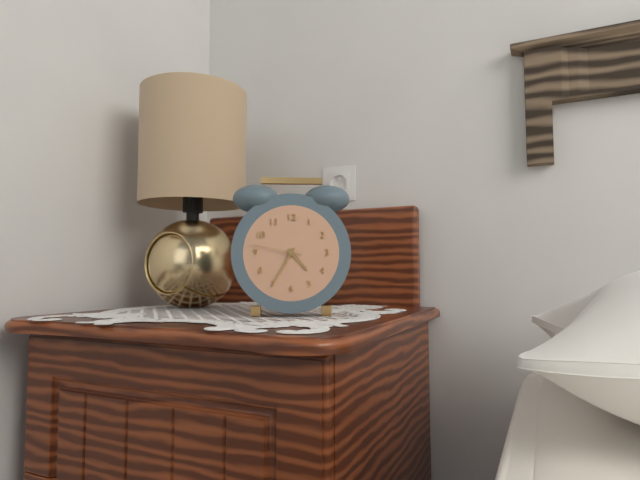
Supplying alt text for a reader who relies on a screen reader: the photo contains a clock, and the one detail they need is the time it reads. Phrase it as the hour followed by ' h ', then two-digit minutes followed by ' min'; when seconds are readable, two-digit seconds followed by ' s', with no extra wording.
4 h 35 min 47 s
